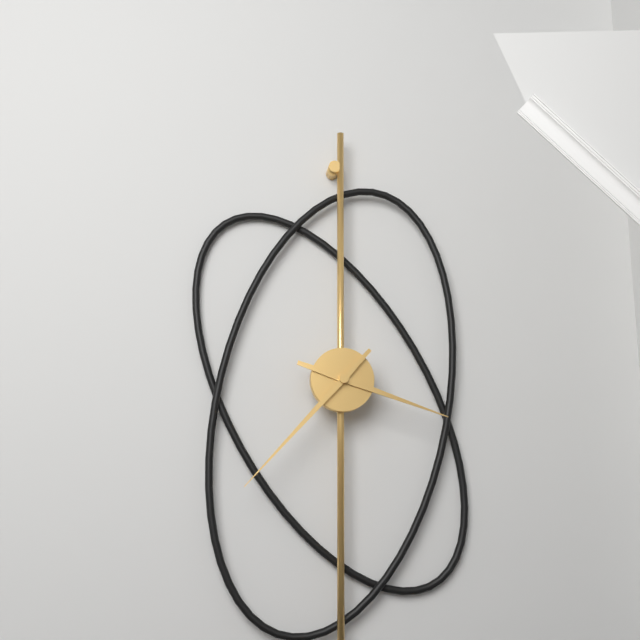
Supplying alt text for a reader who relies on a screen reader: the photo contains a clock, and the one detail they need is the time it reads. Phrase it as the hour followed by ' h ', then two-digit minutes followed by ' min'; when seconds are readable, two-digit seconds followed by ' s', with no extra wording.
3 h 37 min
